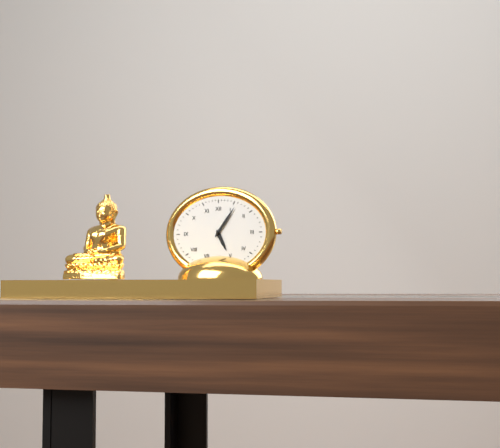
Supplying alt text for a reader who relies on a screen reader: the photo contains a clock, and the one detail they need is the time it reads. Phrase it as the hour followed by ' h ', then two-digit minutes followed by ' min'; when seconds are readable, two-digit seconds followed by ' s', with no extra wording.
5 h 06 min
